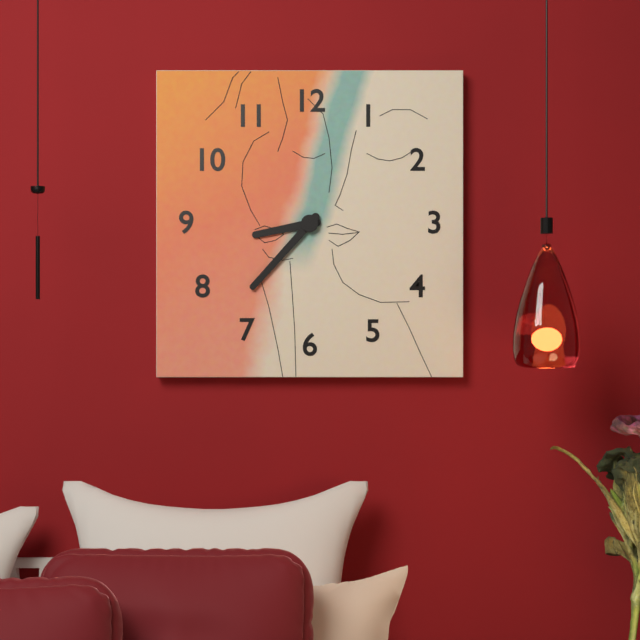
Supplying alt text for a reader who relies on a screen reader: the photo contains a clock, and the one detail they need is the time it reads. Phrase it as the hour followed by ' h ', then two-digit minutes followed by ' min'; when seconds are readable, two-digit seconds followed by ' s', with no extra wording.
8 h 37 min
